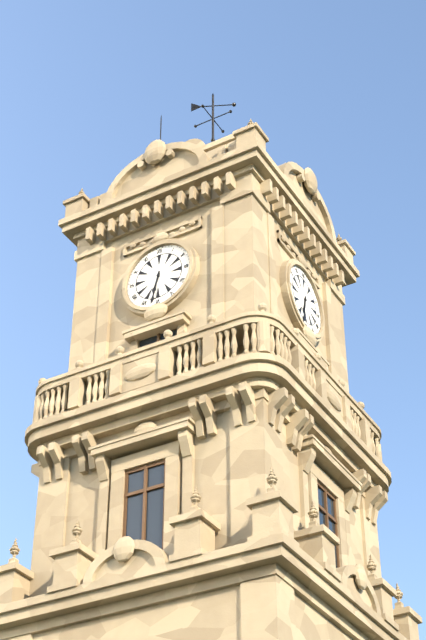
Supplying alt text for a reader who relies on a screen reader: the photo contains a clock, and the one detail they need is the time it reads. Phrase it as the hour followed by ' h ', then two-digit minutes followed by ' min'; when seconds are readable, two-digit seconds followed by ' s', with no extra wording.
6 h 32 min
